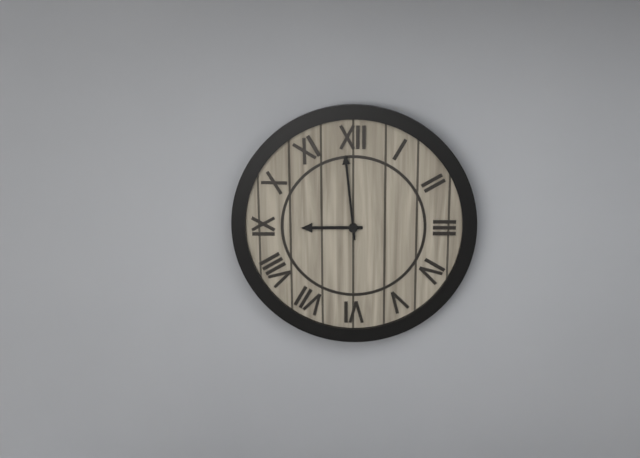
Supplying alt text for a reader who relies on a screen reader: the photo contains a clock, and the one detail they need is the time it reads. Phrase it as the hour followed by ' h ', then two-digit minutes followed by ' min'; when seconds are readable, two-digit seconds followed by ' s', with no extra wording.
8 h 59 min
